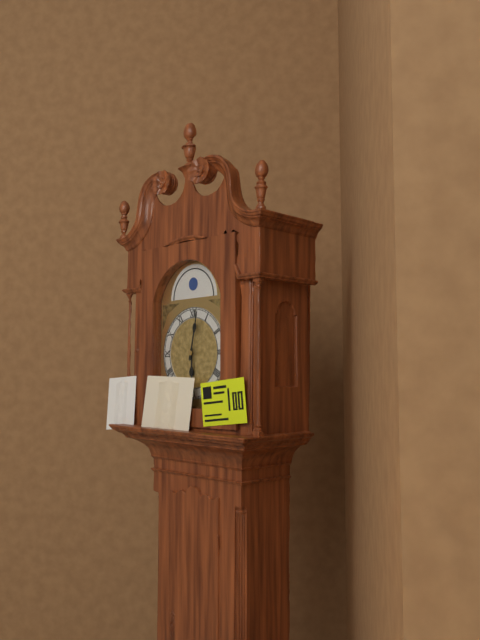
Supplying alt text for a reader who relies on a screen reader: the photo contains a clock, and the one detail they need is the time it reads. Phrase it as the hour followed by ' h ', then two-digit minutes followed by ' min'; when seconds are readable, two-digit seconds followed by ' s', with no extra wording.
6 h 02 min
